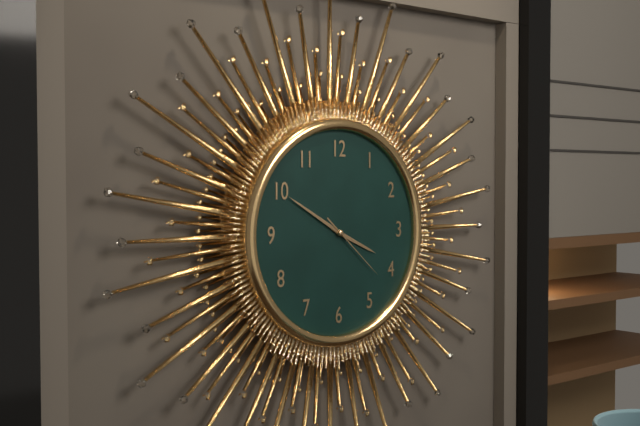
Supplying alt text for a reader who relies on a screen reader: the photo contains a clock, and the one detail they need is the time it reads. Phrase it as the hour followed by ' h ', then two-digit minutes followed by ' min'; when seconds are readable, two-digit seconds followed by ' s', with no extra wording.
3 h 50 min 22 s
